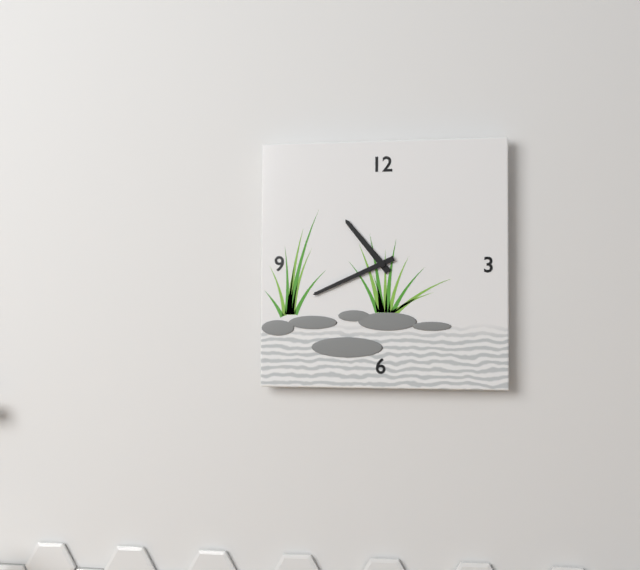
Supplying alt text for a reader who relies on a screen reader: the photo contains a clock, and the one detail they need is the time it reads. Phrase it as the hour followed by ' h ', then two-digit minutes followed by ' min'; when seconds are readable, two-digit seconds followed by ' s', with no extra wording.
10 h 41 min
